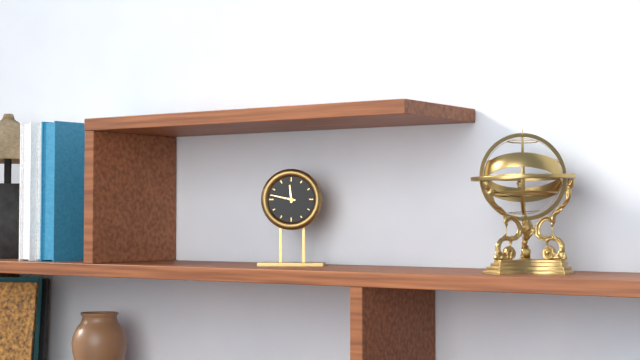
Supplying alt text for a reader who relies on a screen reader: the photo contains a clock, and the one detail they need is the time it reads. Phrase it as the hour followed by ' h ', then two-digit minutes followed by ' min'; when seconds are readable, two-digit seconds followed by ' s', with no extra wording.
11 h 47 min
